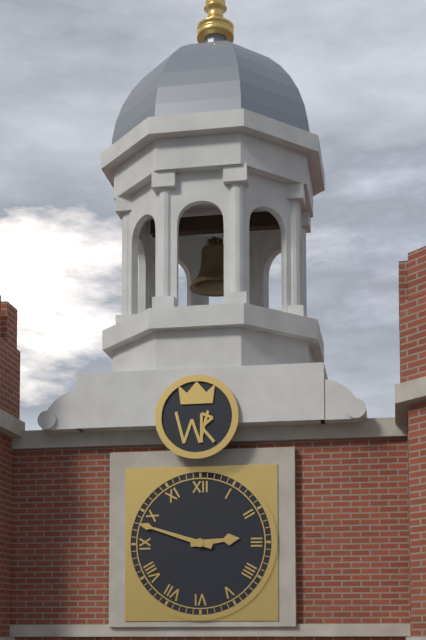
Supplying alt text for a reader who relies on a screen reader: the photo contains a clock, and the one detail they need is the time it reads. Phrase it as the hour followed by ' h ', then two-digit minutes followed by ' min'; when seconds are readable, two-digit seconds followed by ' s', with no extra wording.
2 h 48 min
